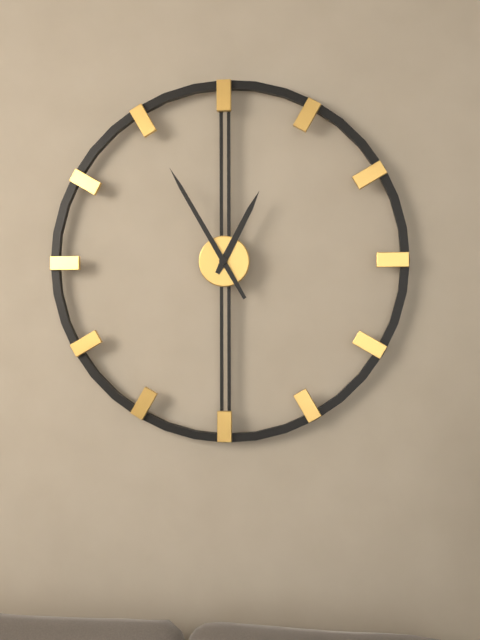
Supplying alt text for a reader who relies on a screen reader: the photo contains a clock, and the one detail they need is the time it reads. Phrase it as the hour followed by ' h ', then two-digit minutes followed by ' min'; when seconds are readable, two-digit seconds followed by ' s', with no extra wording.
12 h 55 min
